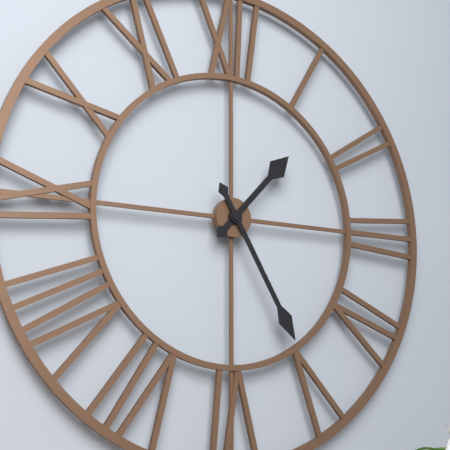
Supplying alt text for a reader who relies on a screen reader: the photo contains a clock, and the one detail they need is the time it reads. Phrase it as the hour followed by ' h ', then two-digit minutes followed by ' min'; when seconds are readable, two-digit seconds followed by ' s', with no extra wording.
1 h 25 min
